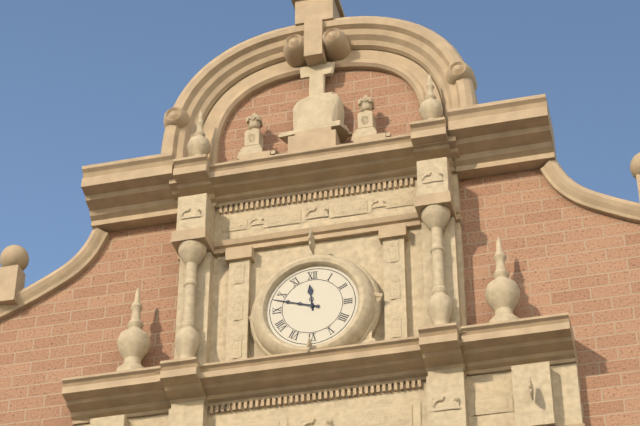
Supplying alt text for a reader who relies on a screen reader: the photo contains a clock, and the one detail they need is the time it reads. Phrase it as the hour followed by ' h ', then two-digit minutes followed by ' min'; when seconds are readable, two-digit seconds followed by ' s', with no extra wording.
11 h 48 min
